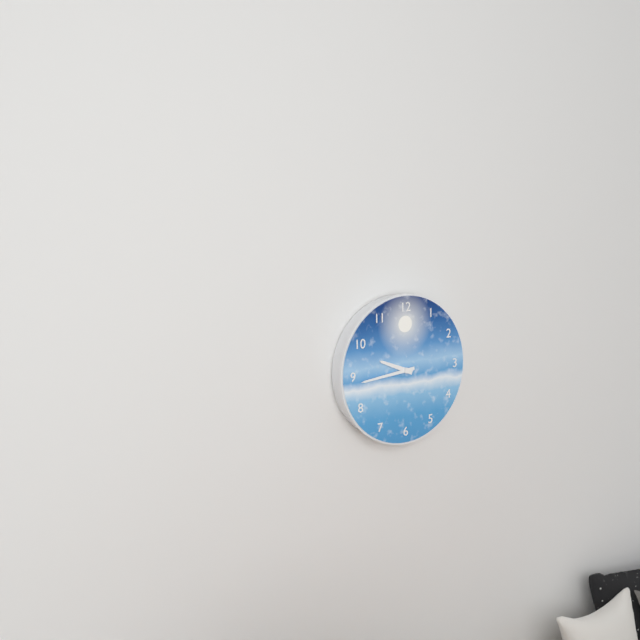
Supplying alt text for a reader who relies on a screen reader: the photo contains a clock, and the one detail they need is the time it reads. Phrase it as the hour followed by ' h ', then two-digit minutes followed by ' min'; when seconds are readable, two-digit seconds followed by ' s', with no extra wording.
9 h 44 min
